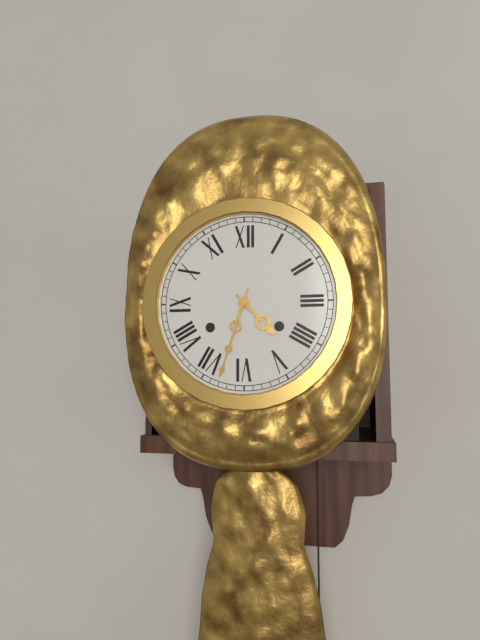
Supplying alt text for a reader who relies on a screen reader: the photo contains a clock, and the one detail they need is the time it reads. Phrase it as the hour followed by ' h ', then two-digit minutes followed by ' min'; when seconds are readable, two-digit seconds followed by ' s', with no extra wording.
4 h 33 min
